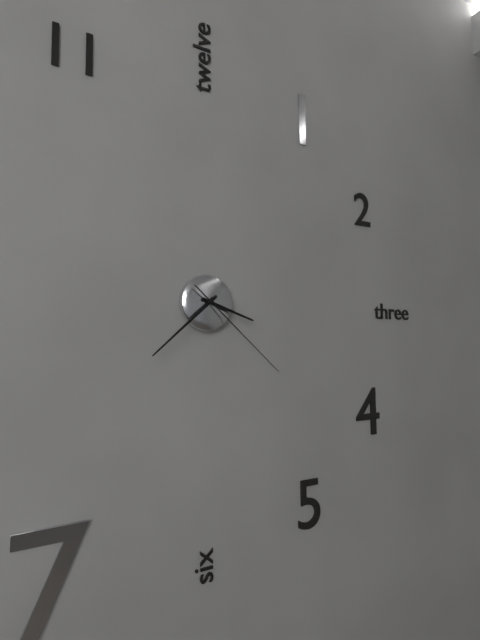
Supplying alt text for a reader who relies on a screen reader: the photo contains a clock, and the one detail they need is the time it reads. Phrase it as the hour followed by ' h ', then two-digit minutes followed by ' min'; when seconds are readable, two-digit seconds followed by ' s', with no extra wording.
3 h 38 min 22 s
